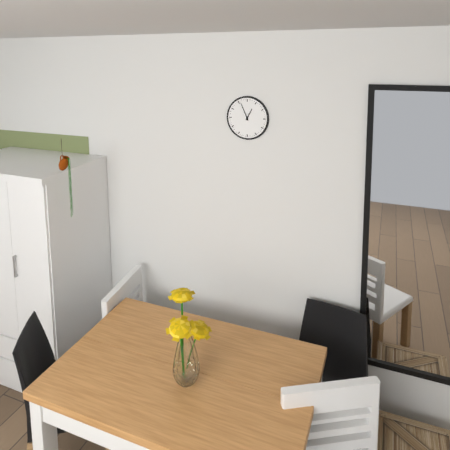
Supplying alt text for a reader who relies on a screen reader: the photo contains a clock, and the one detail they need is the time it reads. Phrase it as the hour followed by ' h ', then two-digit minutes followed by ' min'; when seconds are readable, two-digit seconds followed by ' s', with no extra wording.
12 h 56 min
